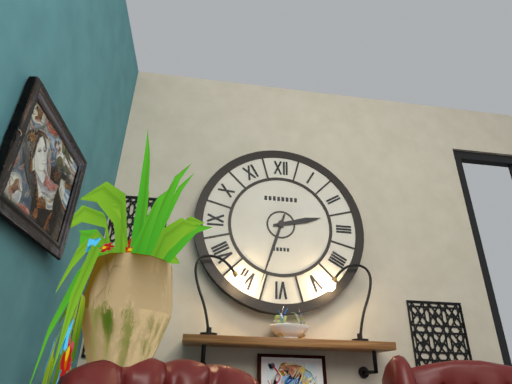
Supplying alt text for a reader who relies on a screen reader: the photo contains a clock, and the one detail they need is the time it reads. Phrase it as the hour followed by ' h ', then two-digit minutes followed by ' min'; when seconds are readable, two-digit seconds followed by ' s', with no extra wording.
2 h 33 min
